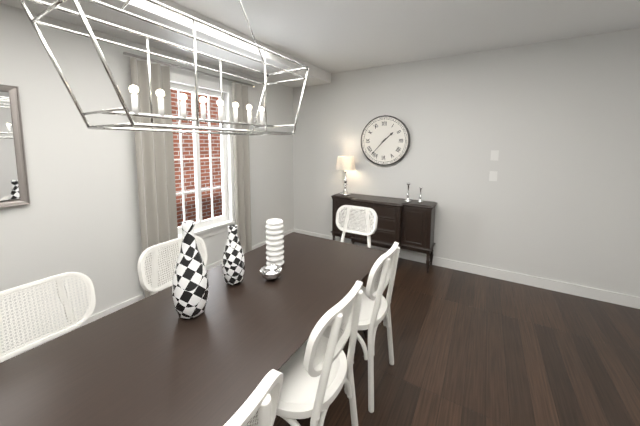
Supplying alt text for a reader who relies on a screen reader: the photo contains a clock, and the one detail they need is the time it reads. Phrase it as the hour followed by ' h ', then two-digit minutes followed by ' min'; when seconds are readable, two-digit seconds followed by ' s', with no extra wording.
1 h 37 min
